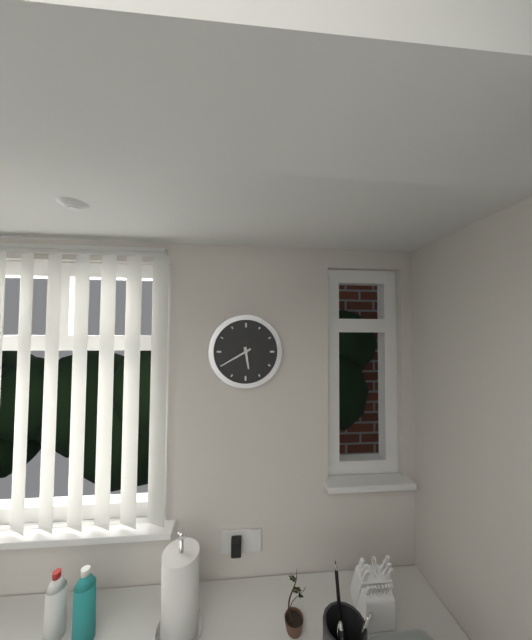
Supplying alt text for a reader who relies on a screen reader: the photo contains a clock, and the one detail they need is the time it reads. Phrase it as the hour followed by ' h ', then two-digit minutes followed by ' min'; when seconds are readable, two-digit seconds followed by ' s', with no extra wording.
5 h 40 min
